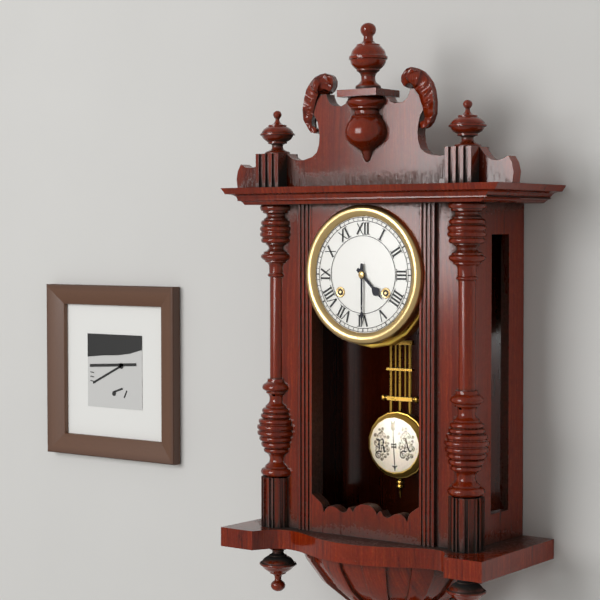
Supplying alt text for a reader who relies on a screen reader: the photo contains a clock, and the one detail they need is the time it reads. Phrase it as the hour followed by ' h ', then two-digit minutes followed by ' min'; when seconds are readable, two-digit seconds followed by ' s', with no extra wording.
4 h 30 min
